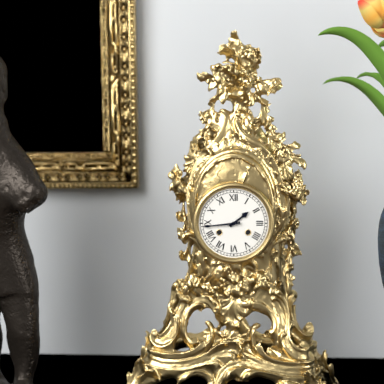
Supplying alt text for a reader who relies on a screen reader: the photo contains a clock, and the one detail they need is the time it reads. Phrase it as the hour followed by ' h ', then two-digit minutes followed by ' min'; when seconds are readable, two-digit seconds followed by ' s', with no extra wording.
1 h 44 min
